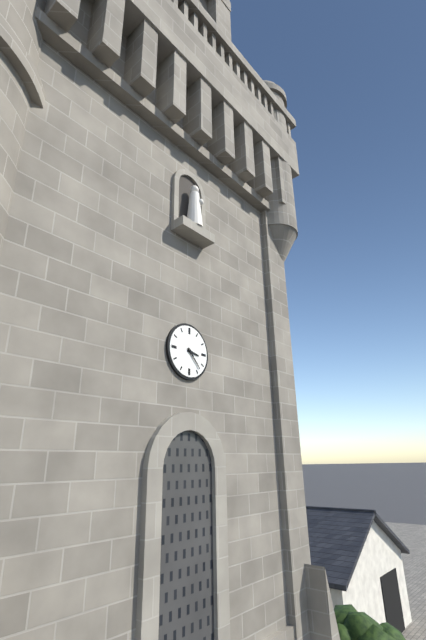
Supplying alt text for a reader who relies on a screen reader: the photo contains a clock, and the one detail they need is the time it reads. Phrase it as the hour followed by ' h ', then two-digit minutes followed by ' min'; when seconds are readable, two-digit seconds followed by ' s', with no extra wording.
3 h 23 min
